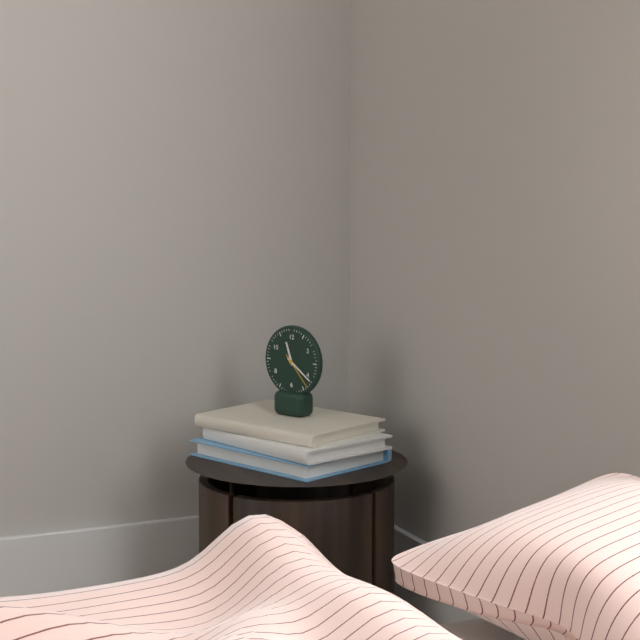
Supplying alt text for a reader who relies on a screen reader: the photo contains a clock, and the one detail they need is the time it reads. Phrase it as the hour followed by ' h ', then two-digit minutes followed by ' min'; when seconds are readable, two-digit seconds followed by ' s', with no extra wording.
11 h 21 min
